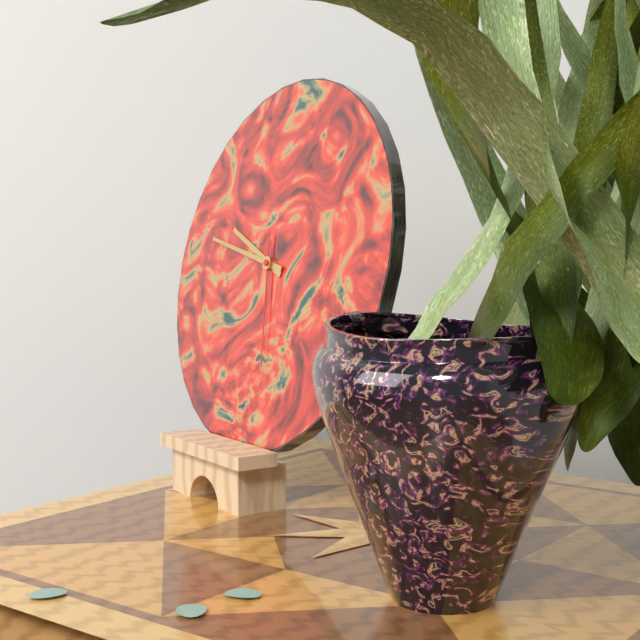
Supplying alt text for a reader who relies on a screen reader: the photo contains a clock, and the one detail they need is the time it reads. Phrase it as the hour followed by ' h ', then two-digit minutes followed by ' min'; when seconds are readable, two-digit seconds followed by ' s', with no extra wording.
9 h 47 min 28 s
